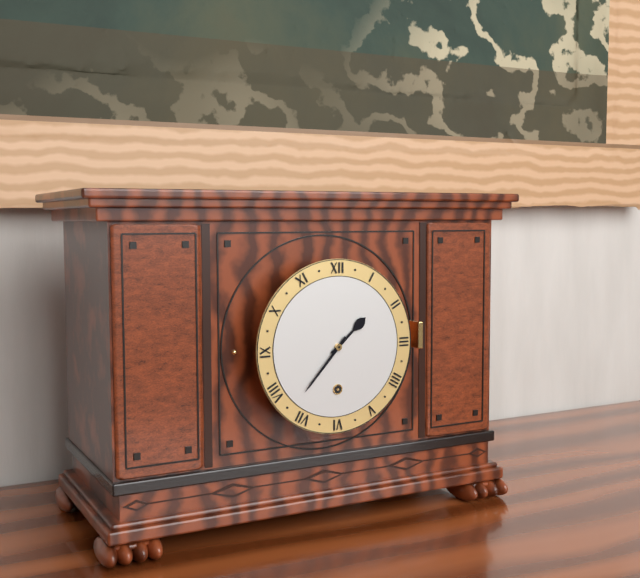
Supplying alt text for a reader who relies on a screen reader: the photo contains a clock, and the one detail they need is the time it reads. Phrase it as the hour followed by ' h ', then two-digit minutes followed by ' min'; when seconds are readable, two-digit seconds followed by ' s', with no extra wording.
1 h 37 min
